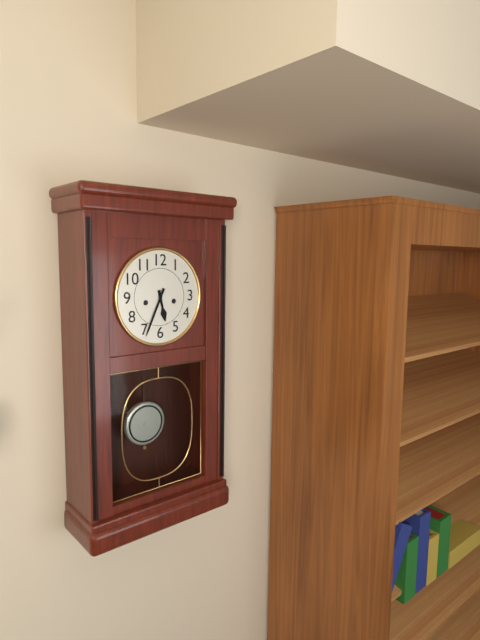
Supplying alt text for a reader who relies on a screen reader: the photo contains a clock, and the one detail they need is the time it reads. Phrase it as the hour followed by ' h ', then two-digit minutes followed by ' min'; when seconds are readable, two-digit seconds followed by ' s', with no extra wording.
5 h 34 min
